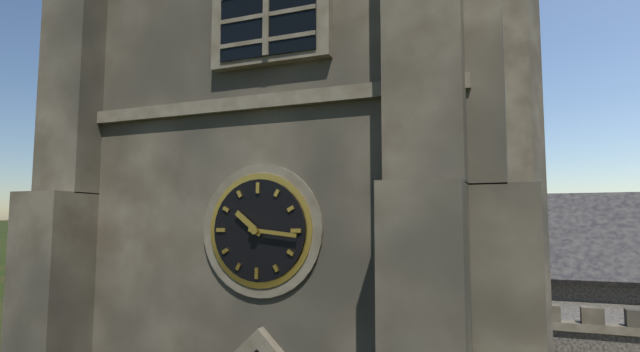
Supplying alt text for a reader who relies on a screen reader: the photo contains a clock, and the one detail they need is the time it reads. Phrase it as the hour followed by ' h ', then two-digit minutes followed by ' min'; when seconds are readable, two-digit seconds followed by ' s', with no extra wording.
10 h 16 min
